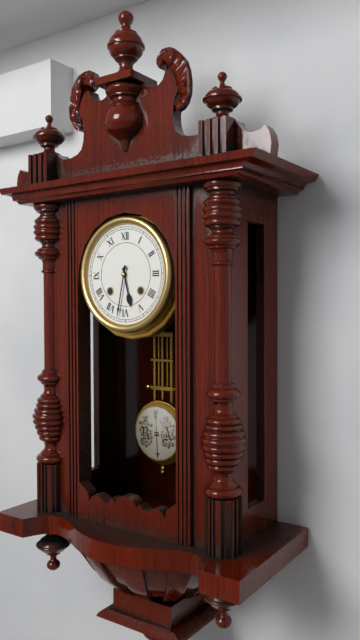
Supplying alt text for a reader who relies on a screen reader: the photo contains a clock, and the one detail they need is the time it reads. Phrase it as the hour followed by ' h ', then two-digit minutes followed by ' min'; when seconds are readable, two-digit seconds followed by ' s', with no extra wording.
5 h 32 min
